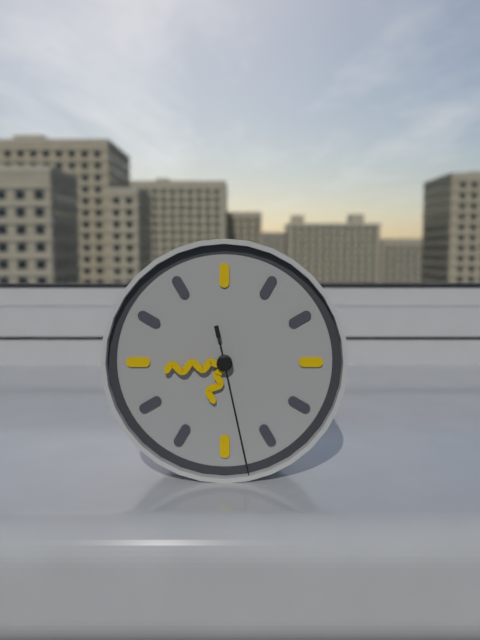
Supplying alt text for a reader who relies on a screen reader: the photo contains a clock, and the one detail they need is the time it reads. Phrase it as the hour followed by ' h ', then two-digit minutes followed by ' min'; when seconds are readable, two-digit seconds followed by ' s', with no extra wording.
6 h 44 min 28 s
